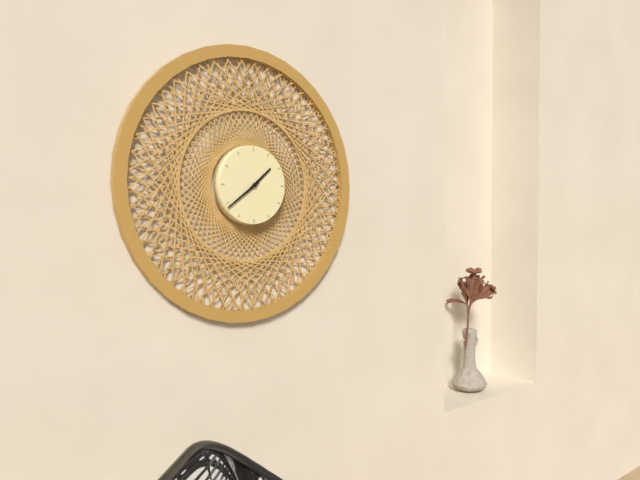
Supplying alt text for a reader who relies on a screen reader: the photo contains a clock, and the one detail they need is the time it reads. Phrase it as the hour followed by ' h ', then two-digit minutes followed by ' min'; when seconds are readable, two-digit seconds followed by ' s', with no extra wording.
1 h 39 min
